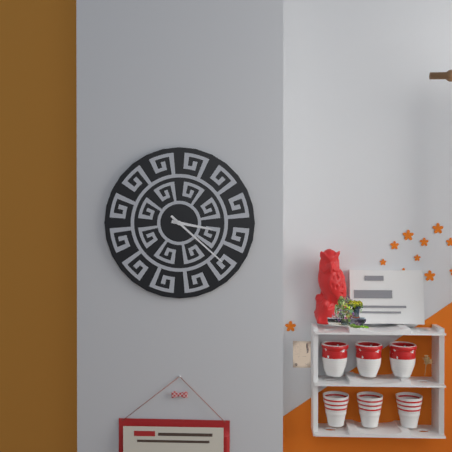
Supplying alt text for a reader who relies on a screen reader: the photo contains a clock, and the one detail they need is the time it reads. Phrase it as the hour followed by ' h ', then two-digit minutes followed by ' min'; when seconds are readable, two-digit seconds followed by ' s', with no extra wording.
3 h 22 min
